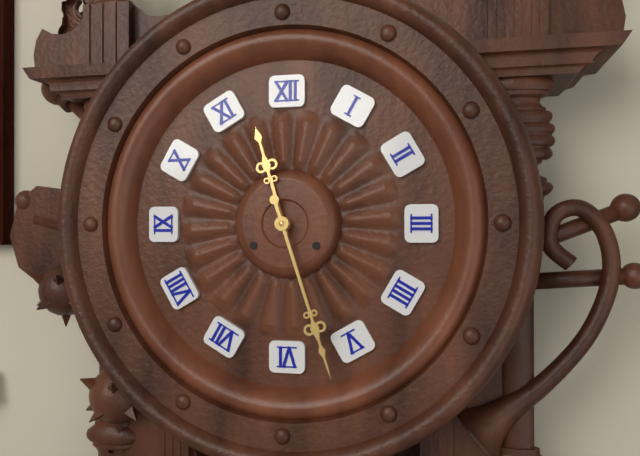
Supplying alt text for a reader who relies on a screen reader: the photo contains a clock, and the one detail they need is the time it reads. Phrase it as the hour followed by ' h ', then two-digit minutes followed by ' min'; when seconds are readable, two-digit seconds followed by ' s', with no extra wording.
11 h 27 min
